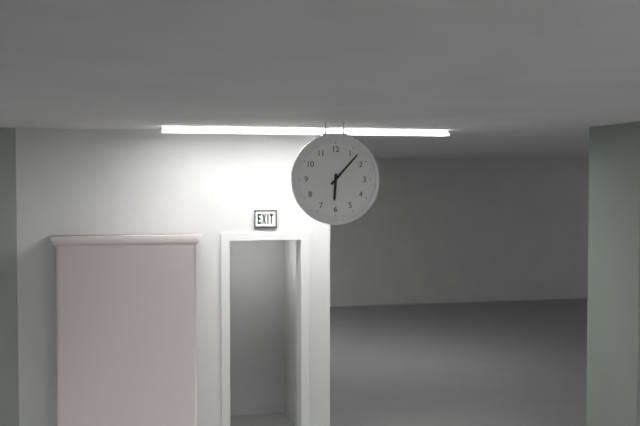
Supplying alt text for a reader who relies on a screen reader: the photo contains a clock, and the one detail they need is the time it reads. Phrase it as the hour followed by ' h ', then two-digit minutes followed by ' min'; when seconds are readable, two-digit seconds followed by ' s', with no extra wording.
6 h 07 min
